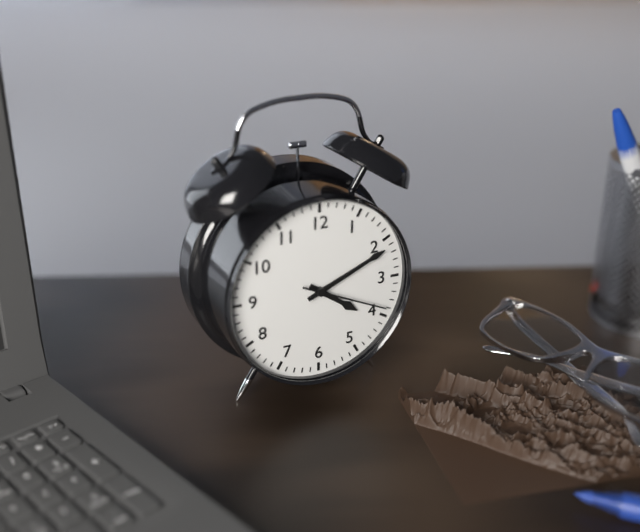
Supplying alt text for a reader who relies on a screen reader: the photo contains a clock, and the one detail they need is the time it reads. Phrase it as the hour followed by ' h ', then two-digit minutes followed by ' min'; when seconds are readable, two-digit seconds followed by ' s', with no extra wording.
4 h 11 min 19 s
